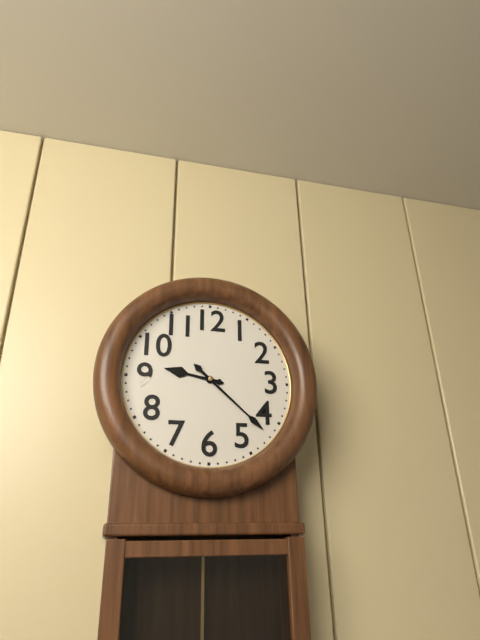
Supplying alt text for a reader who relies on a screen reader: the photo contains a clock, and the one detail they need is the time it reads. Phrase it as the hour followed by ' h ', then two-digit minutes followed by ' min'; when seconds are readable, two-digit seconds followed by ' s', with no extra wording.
9 h 22 min
